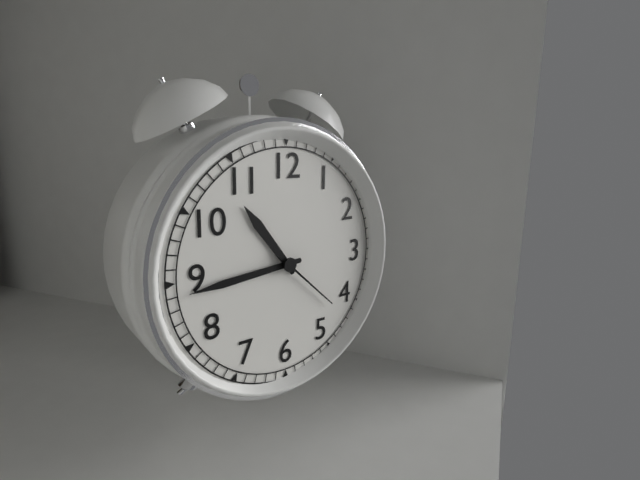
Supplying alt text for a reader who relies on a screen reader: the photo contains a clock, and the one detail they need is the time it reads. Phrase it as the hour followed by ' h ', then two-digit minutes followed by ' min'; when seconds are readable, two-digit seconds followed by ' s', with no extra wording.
10 h 44 min 22 s
